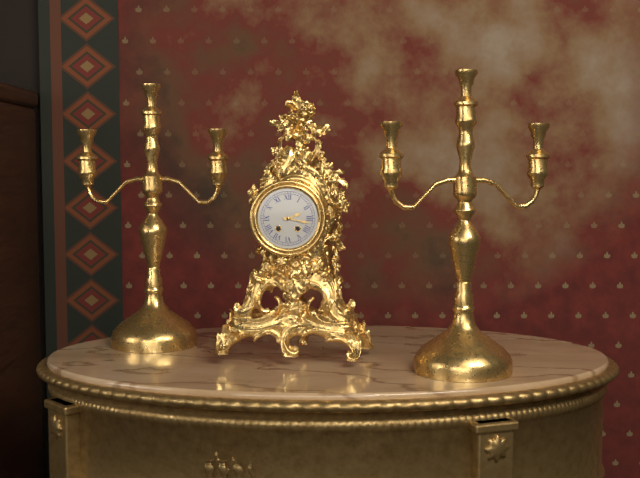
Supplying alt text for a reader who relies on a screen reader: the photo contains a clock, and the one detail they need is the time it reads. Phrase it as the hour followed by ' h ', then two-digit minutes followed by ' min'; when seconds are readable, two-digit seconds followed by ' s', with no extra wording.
2 h 17 min
